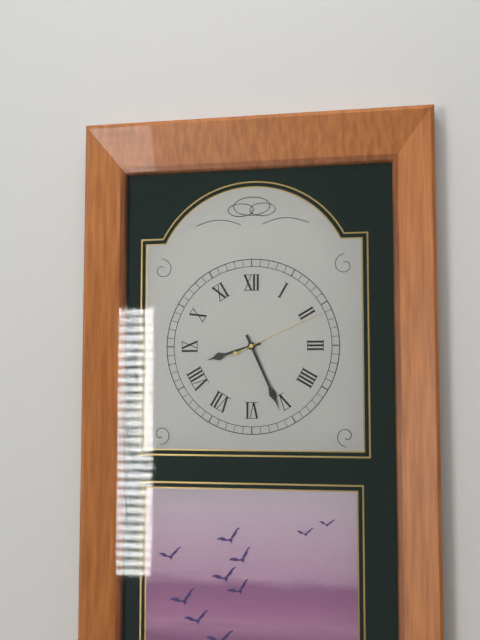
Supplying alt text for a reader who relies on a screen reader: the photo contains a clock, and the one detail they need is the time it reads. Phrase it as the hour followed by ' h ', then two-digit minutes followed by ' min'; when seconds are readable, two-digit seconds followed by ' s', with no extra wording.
8 h 26 min 11 s
